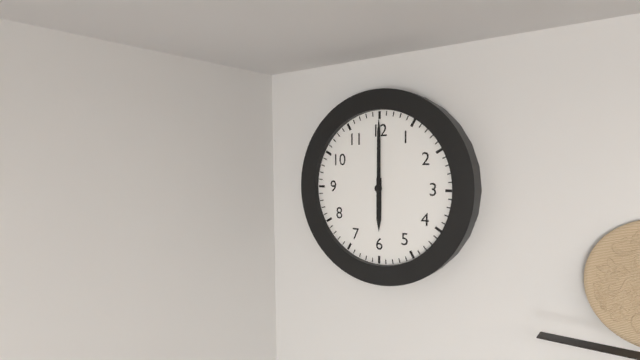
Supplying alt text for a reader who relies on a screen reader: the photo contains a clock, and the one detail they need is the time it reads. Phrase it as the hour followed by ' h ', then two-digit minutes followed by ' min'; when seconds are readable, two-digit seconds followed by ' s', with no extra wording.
6 h 00 min
